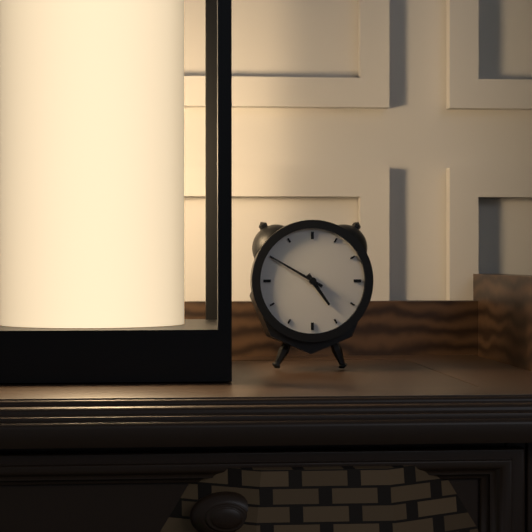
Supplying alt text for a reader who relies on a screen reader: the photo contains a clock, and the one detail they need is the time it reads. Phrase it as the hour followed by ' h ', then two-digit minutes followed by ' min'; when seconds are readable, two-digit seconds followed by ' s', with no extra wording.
4 h 50 min
